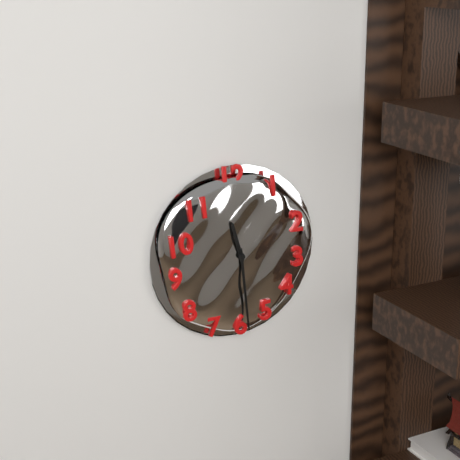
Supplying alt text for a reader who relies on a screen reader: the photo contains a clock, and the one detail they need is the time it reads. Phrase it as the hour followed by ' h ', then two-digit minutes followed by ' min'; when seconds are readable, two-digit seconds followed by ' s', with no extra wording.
11 h 29 min
